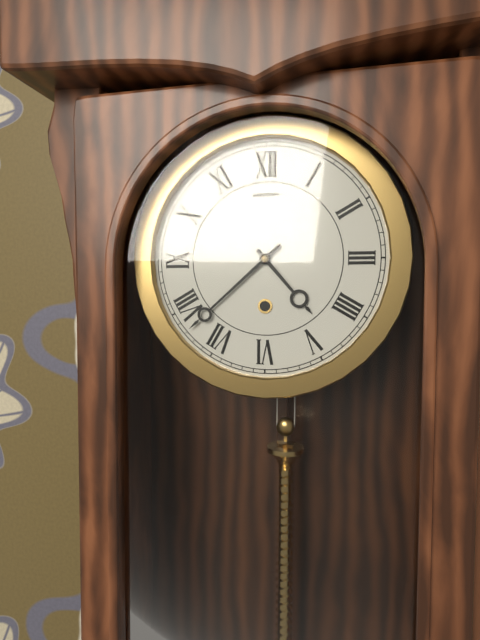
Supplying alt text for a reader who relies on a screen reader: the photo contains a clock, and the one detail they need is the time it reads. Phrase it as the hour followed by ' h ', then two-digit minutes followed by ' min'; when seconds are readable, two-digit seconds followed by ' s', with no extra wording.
4 h 38 min
